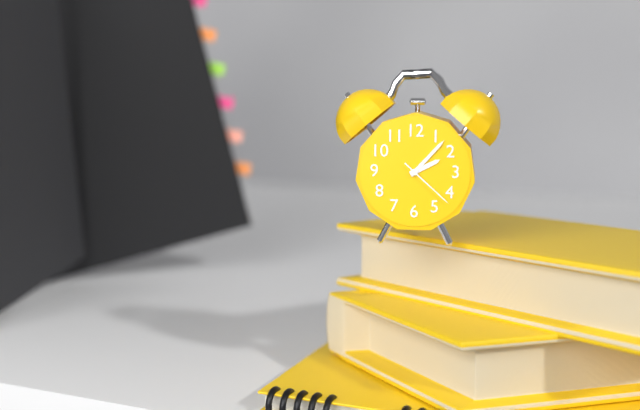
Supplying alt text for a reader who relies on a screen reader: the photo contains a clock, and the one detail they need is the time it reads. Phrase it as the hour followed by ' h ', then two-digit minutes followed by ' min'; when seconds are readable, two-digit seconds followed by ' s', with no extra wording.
2 h 07 min 22 s
